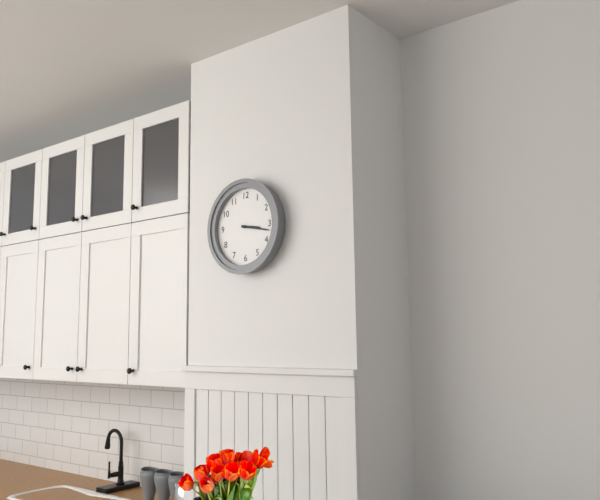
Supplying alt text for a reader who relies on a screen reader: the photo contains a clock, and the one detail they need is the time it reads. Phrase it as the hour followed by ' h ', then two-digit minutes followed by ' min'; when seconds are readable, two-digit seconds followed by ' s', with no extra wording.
3 h 17 min
